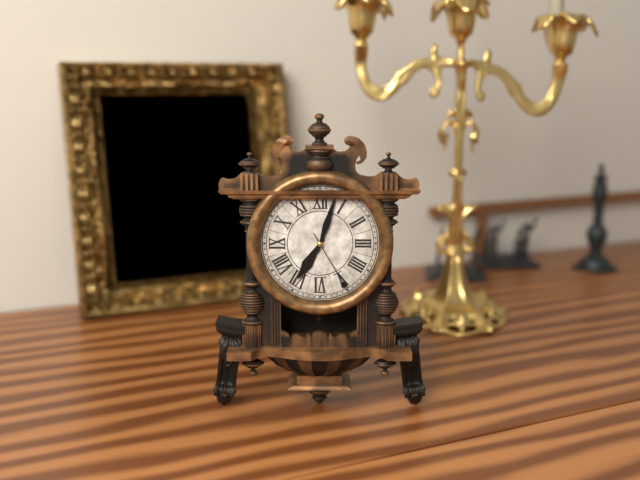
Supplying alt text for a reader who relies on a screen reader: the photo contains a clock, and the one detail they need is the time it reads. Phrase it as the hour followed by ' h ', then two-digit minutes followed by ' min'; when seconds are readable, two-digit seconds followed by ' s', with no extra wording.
7 h 03 min 25 s
